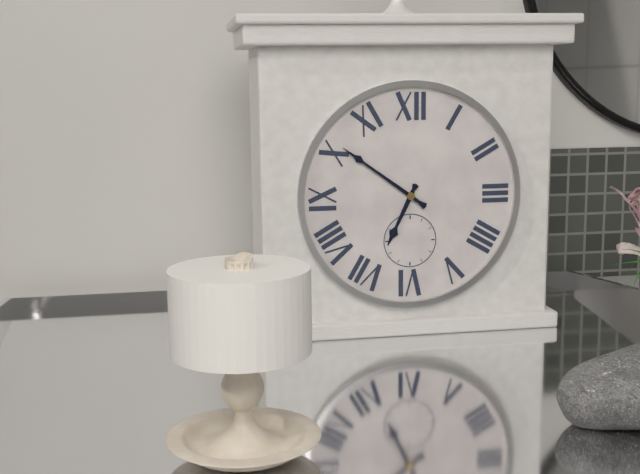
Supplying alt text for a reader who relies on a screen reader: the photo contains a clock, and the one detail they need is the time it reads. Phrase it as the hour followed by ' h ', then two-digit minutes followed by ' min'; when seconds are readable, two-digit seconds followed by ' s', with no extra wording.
6 h 51 min
